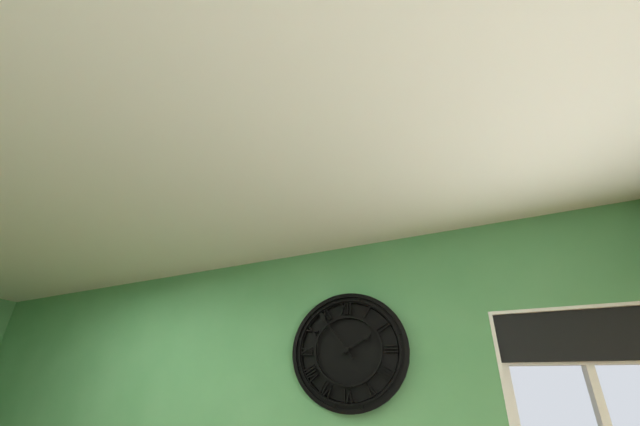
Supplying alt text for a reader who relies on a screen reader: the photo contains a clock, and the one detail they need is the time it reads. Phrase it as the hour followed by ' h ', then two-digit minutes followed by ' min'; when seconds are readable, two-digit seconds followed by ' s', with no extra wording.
1 h 54 min
